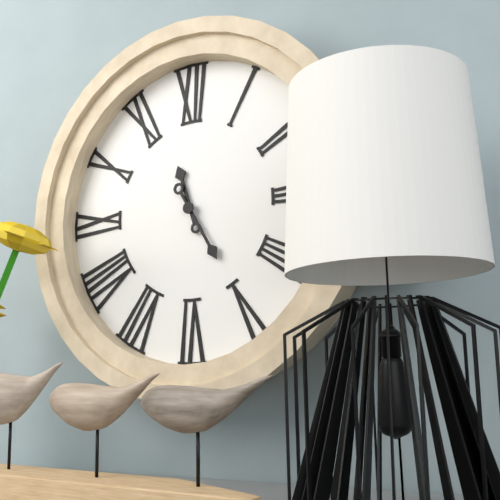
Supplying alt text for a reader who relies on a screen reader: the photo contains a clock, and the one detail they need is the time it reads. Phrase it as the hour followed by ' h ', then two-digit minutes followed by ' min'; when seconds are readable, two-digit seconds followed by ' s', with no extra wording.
11 h 25 min
